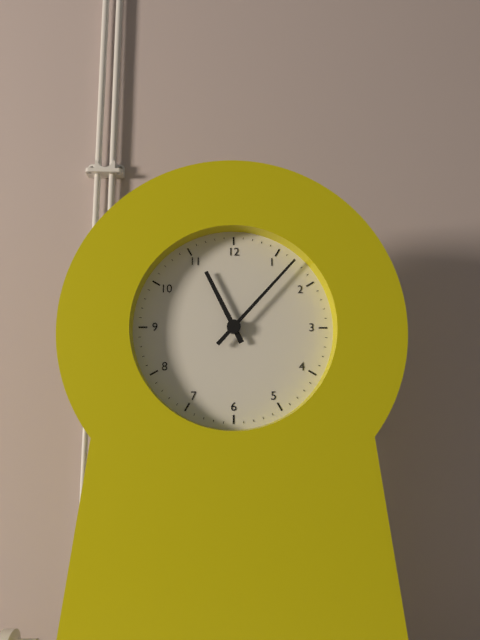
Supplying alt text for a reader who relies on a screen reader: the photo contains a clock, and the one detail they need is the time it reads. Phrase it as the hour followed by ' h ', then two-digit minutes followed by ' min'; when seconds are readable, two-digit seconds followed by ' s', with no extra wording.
11 h 07 min
